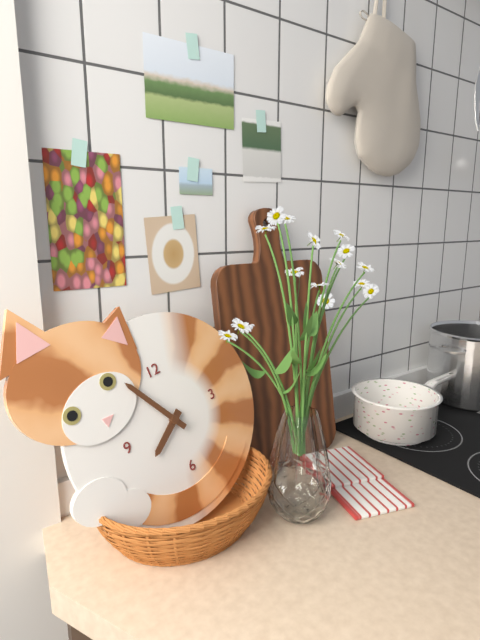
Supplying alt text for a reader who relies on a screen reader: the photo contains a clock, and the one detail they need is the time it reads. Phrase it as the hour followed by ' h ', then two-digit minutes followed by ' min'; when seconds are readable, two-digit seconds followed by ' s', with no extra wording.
7 h 55 min
